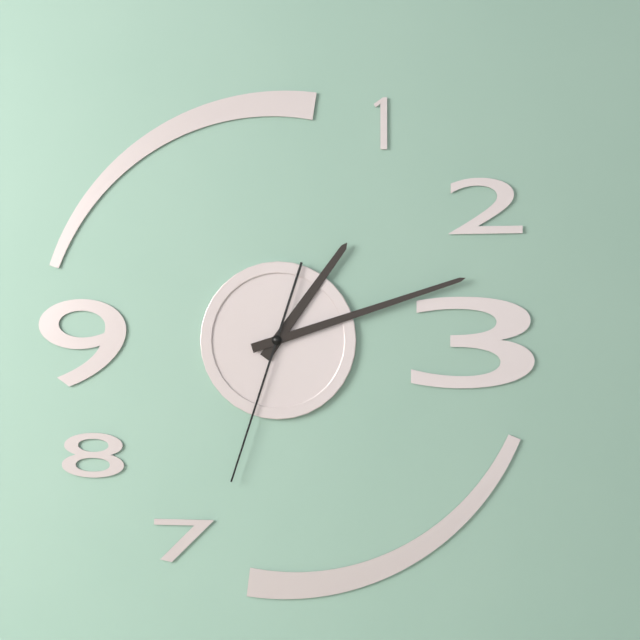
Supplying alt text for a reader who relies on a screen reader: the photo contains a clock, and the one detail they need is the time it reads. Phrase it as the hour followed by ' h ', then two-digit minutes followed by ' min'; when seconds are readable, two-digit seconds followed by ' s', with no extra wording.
1 h 12 min 33 s
